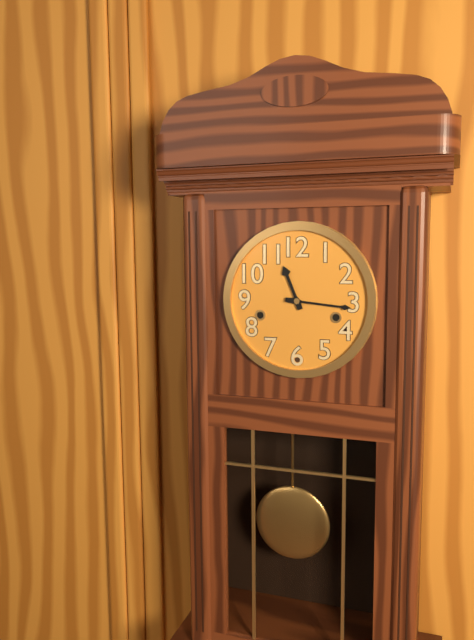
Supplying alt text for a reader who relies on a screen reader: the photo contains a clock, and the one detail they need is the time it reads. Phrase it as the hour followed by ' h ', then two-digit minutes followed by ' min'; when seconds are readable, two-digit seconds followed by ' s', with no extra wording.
11 h 16 min
